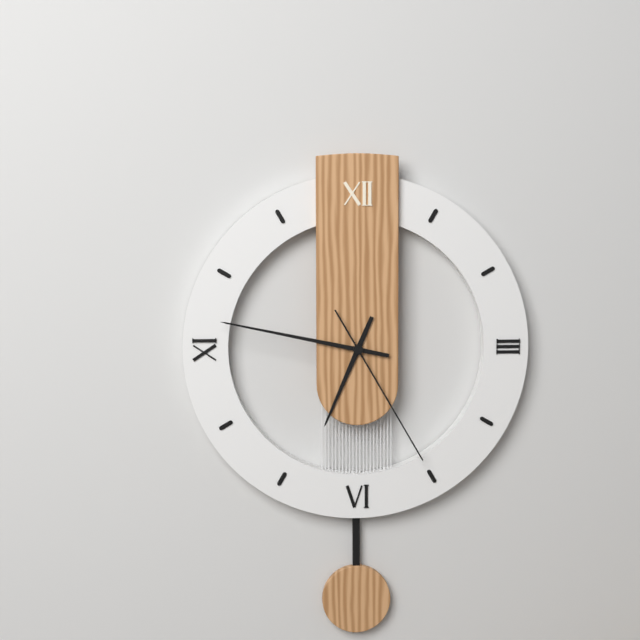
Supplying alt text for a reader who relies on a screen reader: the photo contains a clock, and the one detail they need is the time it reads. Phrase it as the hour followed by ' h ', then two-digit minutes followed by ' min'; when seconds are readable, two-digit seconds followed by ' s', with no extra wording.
6 h 47 min 25 s
